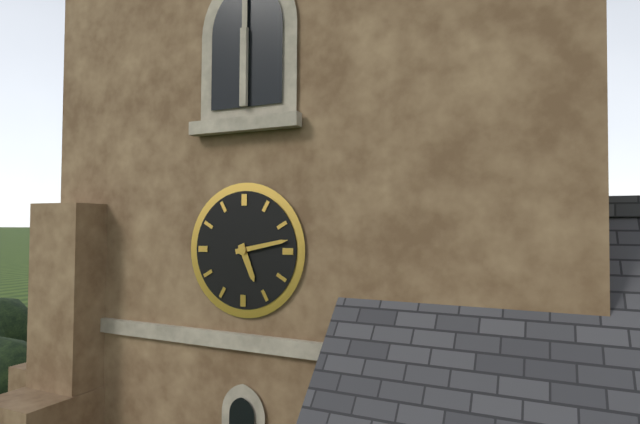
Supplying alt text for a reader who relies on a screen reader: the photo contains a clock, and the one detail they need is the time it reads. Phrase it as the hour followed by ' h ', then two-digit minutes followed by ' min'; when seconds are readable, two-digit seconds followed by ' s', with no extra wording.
5 h 13 min
